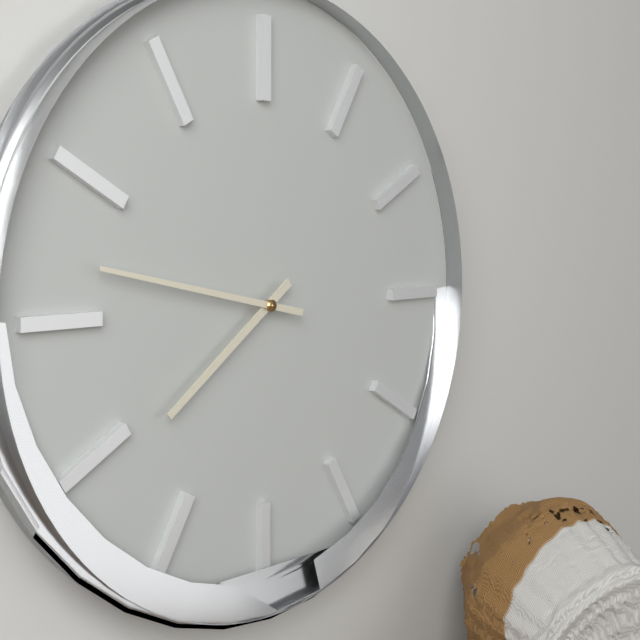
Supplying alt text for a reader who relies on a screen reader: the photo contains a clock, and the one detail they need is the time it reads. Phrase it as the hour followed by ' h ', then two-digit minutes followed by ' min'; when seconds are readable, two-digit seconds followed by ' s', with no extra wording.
7 h 47 min
